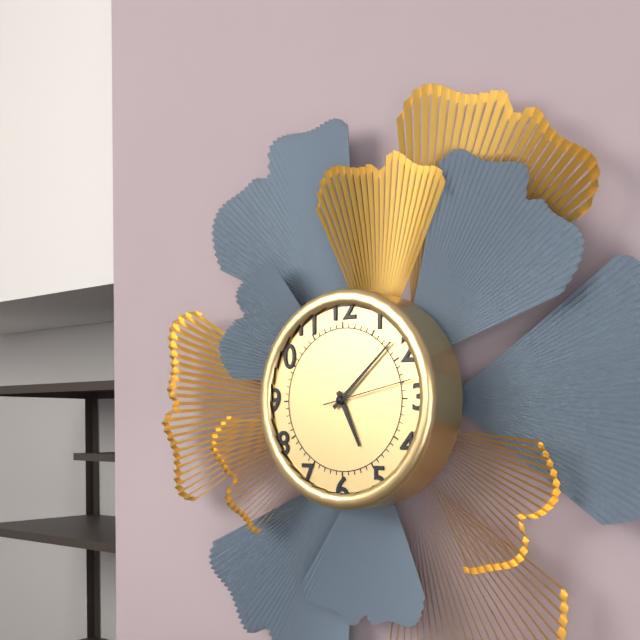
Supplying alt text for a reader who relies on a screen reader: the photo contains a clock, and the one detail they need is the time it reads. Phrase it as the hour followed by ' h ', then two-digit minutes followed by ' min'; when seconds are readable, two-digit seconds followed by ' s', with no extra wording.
5 h 08 min 13 s
